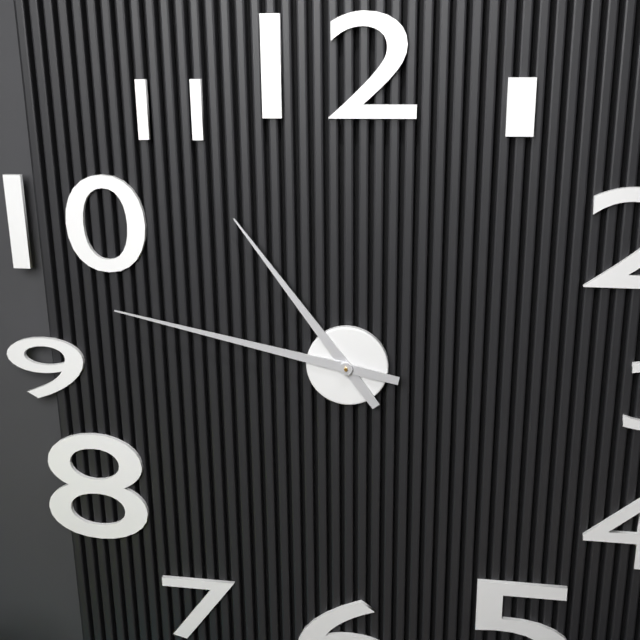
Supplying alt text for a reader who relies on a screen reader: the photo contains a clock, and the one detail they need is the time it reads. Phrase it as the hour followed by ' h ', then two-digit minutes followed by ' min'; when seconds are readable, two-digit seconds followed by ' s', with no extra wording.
10 h 47 min
